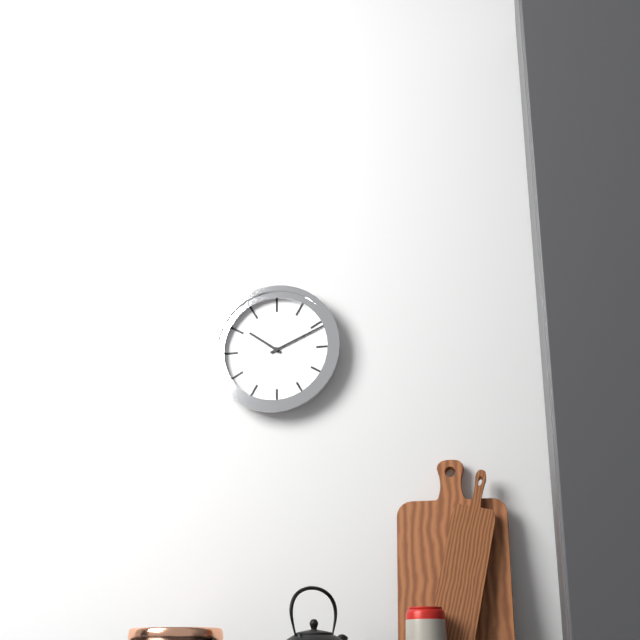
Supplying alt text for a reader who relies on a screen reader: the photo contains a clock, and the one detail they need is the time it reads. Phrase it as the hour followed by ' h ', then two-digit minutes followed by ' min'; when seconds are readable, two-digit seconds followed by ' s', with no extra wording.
10 h 11 min
